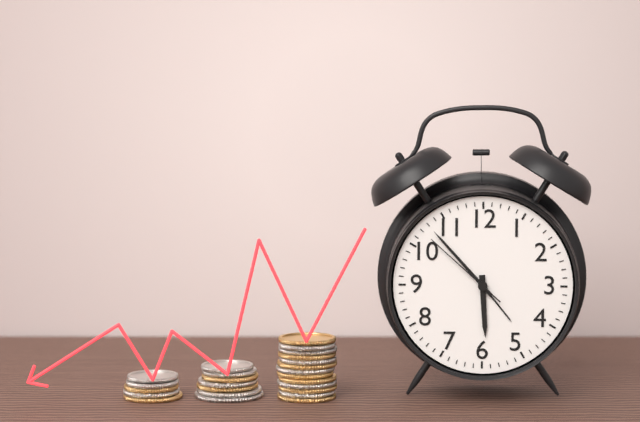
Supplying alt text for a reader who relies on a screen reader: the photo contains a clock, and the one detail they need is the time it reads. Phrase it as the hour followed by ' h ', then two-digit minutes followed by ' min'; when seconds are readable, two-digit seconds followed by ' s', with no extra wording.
5 h 53 min 52 s
